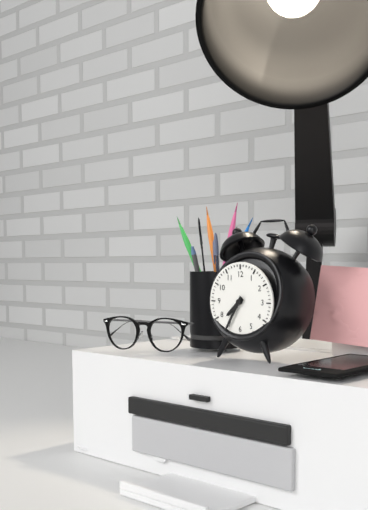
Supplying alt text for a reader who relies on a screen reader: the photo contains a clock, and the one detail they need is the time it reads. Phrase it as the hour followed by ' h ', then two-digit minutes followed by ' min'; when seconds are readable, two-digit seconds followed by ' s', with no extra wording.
7 h 35 min
